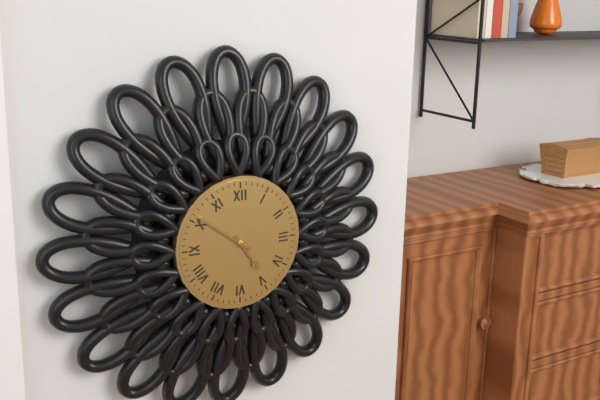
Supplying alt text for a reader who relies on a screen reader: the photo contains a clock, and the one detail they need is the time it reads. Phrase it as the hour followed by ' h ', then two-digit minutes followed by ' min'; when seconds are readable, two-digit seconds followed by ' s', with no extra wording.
4 h 51 min
